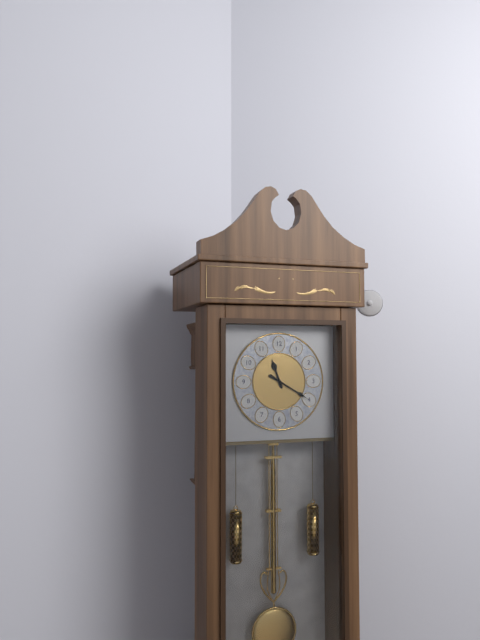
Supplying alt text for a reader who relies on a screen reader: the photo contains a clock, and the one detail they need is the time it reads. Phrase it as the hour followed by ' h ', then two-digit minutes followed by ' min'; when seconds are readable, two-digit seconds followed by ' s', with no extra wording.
11 h 20 min
